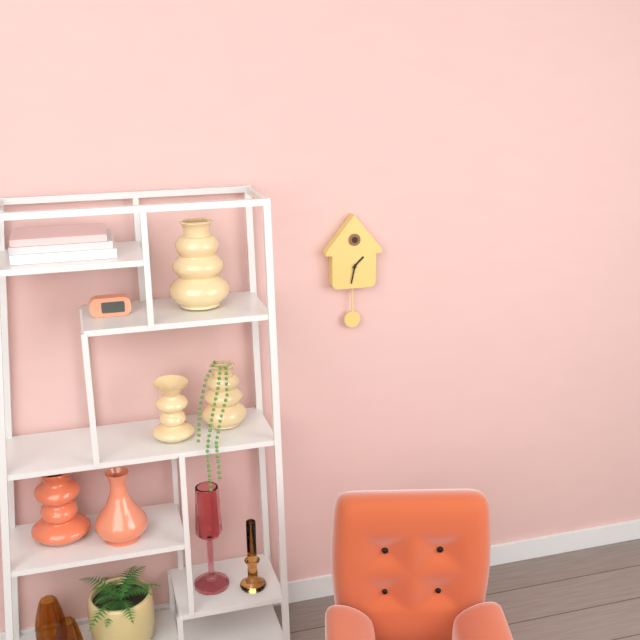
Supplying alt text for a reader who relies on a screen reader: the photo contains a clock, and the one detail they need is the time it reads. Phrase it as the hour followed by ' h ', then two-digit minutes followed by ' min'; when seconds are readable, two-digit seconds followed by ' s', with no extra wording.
1 h 32 min
